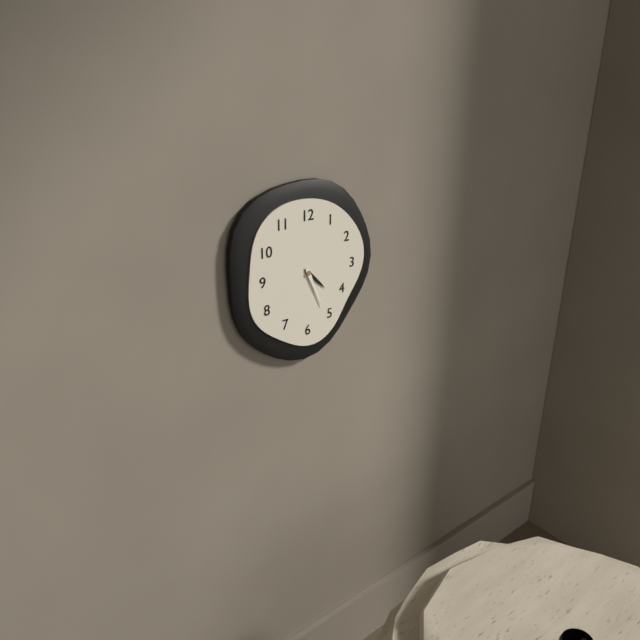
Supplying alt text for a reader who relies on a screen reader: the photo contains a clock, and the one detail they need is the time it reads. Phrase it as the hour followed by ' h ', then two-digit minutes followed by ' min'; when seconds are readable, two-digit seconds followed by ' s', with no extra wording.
4 h 26 min
